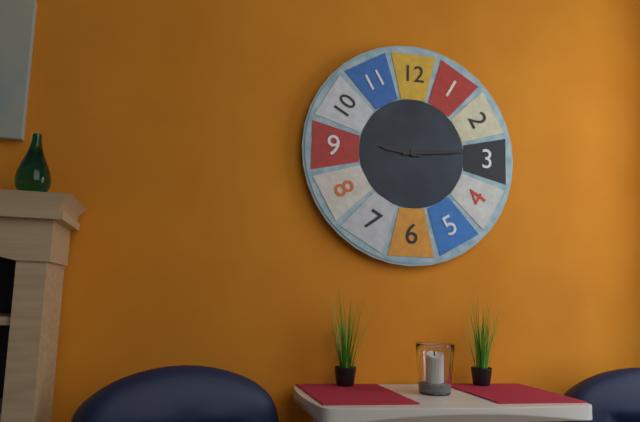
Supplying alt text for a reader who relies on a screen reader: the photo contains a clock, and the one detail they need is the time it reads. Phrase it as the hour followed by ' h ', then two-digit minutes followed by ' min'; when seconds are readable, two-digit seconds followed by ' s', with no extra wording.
9 h 14 min
